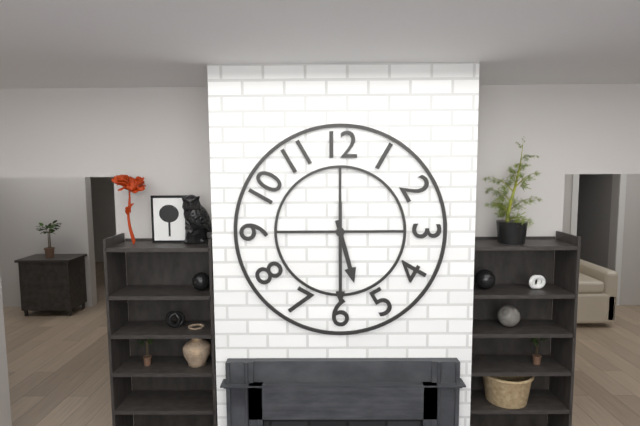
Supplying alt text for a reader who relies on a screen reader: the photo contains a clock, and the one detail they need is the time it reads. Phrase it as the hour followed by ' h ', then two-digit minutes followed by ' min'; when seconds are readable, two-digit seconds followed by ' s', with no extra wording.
5 h 30 min
